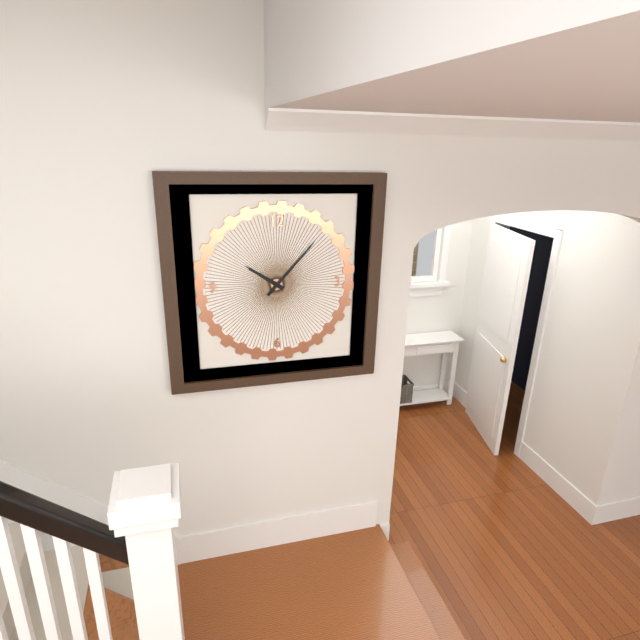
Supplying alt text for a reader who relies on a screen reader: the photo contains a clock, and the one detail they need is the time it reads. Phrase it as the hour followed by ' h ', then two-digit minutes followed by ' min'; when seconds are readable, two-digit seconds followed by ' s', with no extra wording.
10 h 07 min
